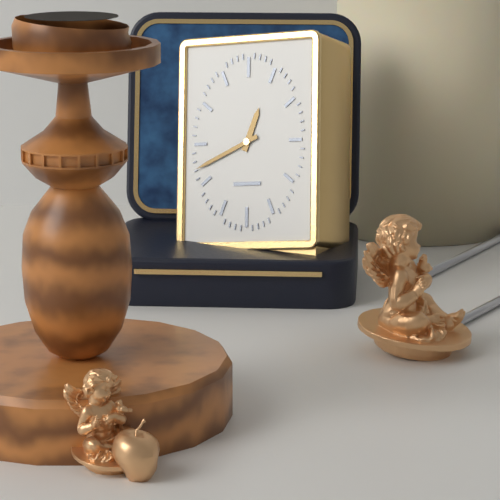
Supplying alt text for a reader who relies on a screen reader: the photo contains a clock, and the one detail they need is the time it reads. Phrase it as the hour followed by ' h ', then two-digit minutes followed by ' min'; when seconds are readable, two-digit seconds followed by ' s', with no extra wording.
12 h 41 min
